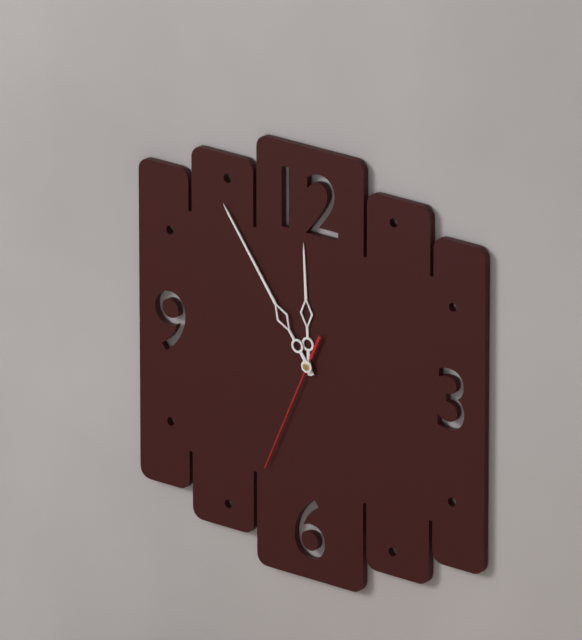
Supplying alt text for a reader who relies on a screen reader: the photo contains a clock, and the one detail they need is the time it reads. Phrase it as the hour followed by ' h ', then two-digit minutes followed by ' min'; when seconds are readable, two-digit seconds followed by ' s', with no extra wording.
11 h 54 min 34 s
